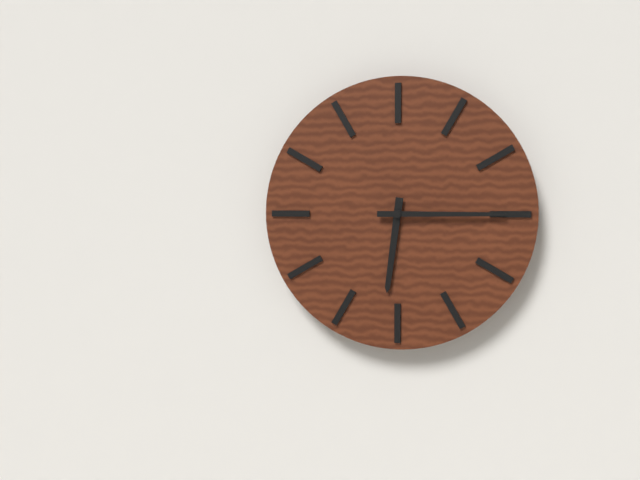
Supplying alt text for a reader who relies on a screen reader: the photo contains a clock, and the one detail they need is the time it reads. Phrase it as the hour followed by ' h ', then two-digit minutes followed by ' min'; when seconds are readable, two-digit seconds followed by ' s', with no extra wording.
6 h 15 min
